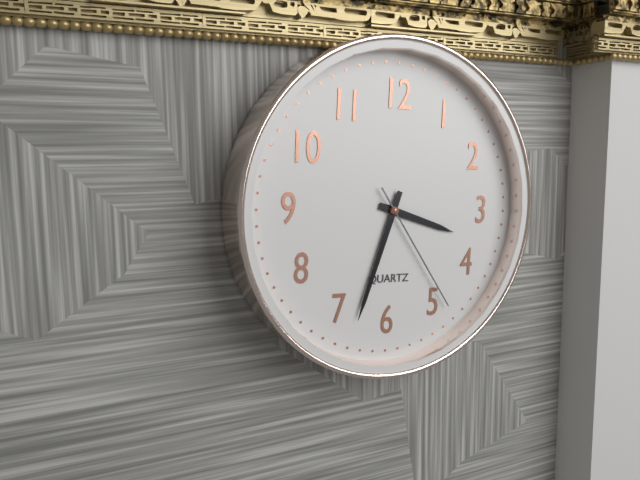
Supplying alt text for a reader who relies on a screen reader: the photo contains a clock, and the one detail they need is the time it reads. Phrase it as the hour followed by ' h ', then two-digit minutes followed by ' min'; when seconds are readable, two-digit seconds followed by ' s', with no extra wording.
3 h 33 min 24 s
